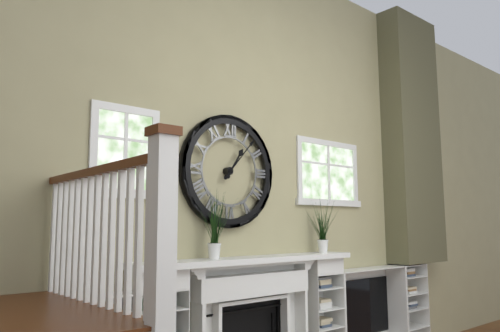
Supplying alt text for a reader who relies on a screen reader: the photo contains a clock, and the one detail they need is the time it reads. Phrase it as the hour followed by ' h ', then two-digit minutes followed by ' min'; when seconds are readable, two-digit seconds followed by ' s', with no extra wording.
1 h 07 min
